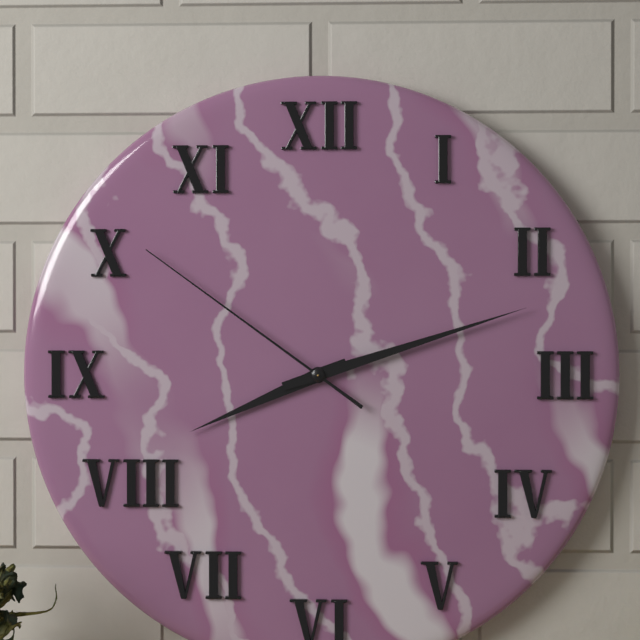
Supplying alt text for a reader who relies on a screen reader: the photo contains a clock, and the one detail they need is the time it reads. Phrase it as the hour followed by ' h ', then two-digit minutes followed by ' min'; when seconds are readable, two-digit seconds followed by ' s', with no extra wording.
8 h 12 min 51 s
